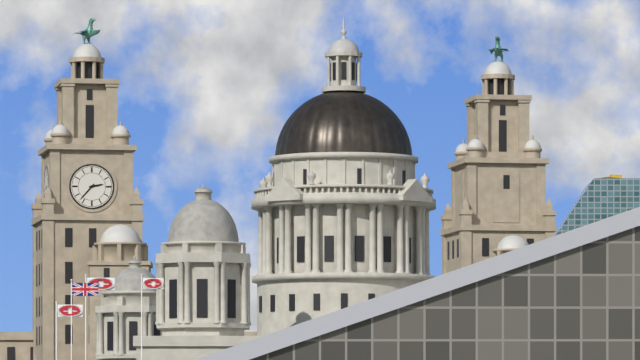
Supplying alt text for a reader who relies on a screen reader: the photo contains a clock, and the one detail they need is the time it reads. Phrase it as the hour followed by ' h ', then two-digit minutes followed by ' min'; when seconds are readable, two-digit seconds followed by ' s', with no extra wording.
2 h 37 min
